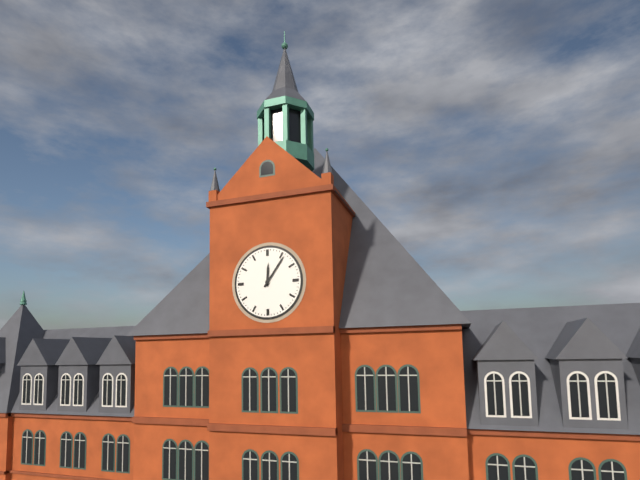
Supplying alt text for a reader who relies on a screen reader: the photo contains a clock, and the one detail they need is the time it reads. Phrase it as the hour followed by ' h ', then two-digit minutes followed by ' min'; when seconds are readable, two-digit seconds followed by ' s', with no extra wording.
12 h 06 min
